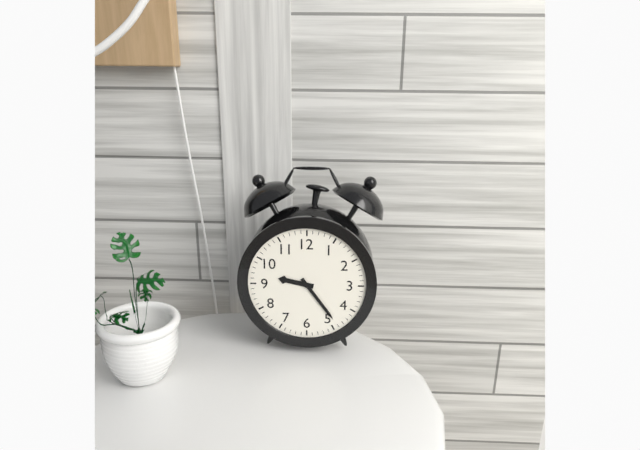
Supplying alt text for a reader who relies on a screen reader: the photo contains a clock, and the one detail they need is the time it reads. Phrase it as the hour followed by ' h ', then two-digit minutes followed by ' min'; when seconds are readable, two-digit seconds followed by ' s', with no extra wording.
9 h 24 min
